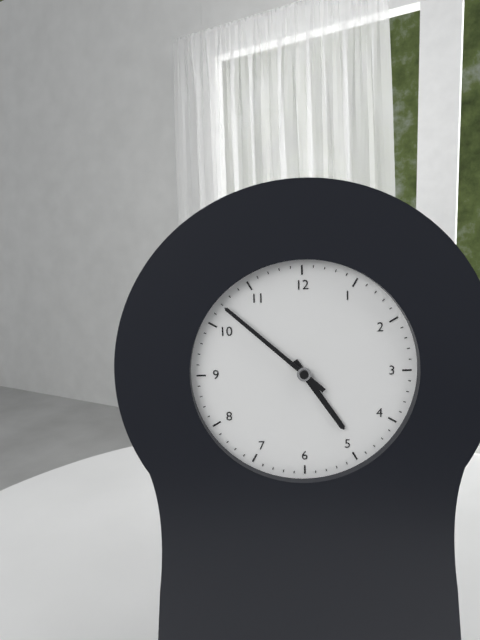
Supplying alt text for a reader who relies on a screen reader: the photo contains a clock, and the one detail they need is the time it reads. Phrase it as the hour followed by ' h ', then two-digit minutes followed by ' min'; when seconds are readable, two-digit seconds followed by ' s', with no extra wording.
4 h 52 min
